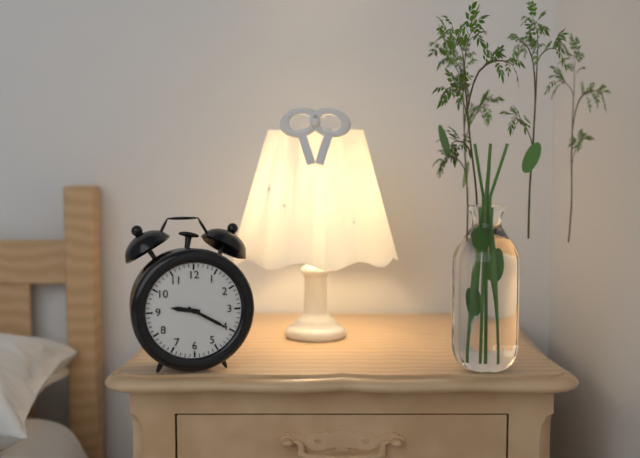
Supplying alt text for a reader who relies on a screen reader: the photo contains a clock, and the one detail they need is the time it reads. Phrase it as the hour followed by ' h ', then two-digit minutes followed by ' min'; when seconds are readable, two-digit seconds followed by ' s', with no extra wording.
9 h 20 min
